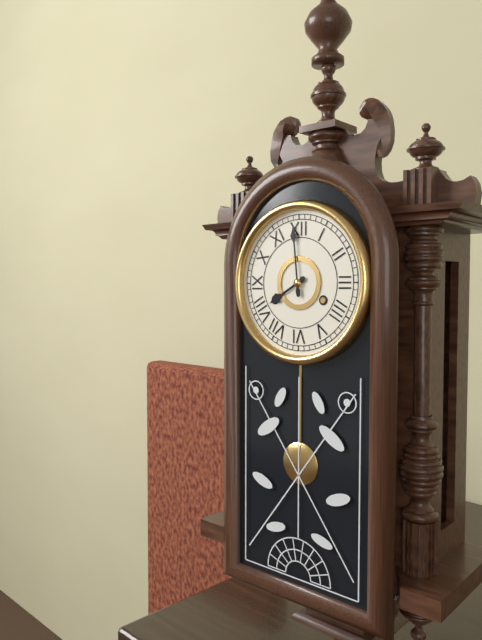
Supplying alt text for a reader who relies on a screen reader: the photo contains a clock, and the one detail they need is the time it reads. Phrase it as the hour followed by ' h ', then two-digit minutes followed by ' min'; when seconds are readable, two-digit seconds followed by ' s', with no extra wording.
7 h 59 min
